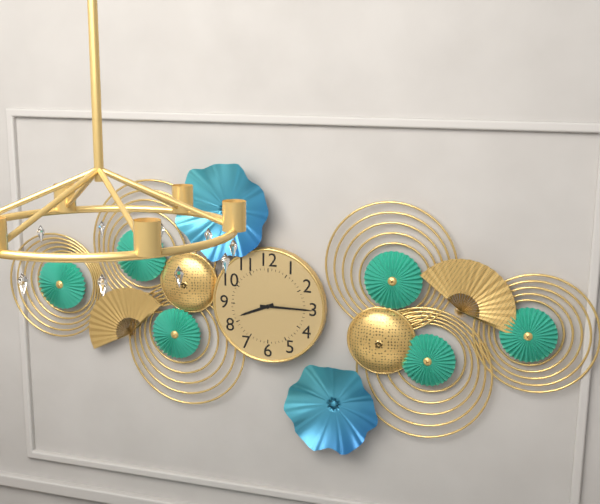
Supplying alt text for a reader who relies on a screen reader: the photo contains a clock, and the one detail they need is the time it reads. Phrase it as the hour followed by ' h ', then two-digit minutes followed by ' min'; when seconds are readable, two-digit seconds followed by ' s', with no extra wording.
8 h 15 min
